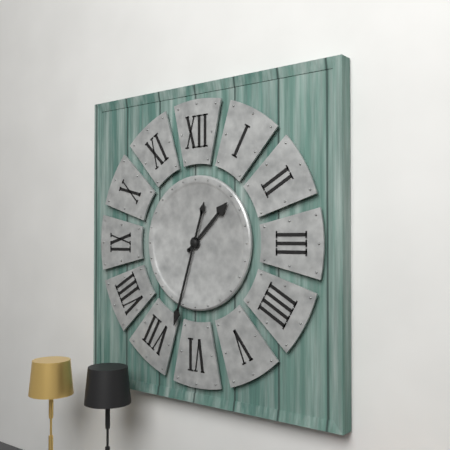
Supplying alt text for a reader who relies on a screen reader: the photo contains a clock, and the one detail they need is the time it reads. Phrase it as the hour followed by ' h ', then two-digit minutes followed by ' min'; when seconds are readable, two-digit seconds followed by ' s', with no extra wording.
1 h 33 min
